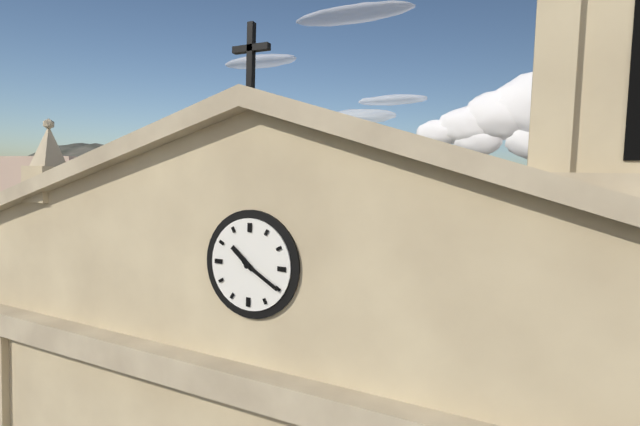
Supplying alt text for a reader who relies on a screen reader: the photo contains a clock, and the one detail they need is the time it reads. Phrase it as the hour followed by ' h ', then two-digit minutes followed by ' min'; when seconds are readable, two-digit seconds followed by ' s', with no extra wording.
10 h 20 min
